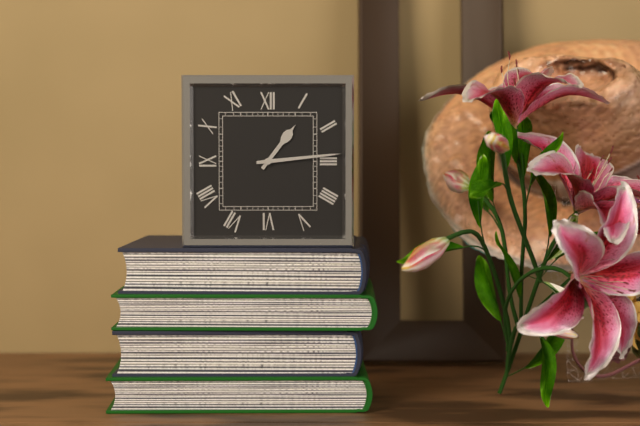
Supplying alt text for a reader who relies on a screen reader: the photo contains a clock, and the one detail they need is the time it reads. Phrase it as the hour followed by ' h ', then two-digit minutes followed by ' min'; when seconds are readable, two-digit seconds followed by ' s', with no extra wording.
1 h 14 min
